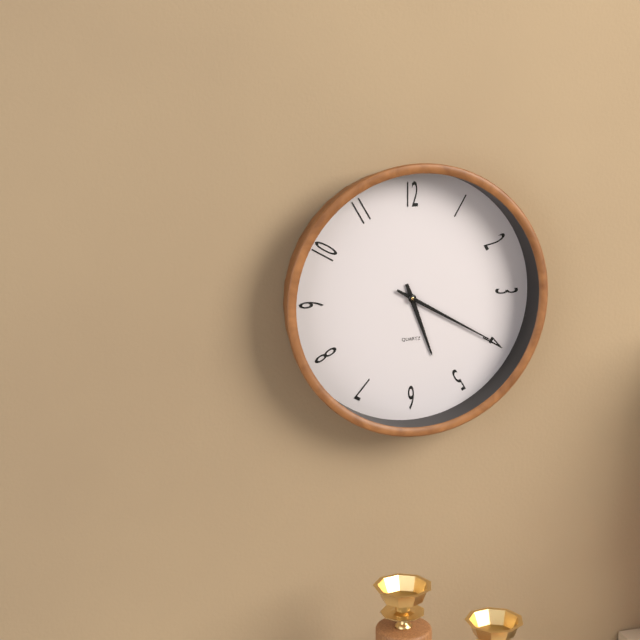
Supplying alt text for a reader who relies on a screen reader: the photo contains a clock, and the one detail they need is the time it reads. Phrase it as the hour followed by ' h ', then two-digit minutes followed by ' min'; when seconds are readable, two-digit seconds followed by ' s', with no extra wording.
5 h 20 min
